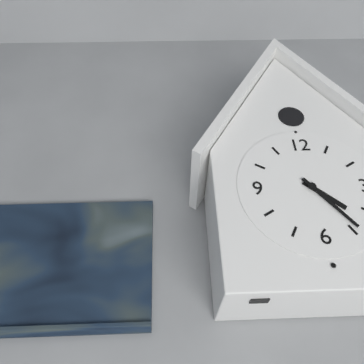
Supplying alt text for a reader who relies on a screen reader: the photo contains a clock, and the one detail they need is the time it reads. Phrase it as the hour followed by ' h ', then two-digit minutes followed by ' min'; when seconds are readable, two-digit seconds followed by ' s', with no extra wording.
4 h 24 min
